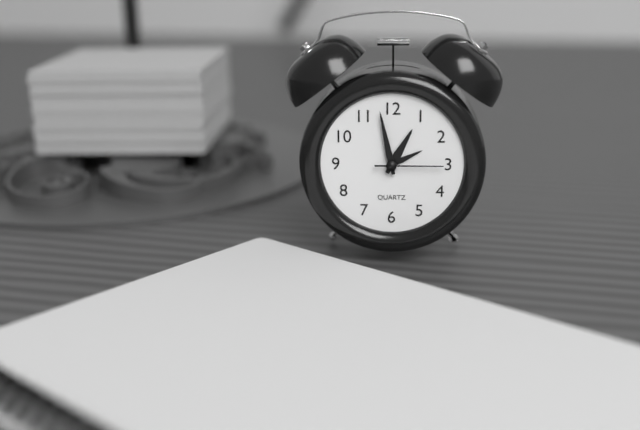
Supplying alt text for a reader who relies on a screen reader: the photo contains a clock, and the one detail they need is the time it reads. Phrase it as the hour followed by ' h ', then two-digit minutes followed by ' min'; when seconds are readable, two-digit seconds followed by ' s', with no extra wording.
12 h 58 min 15 s
